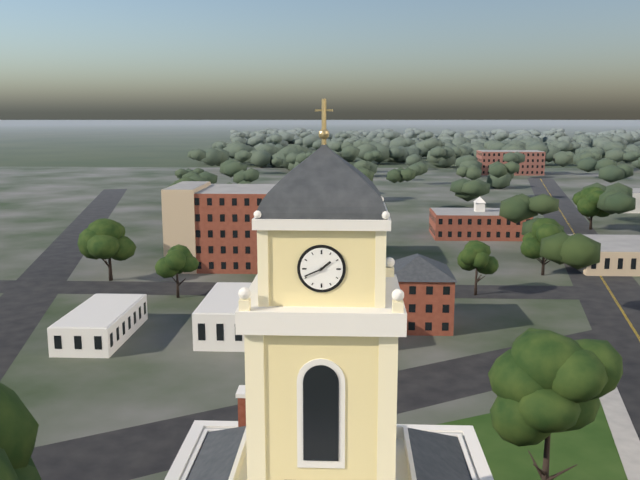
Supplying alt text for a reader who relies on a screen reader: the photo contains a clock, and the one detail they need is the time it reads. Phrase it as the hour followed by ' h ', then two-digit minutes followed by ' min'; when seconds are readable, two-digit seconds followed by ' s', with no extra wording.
1 h 41 min
